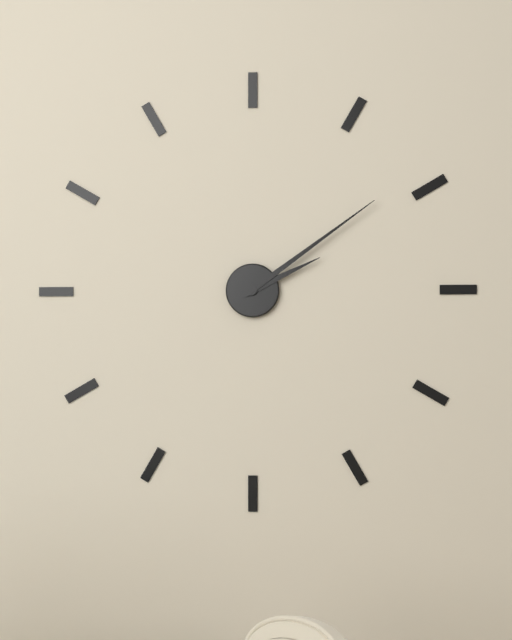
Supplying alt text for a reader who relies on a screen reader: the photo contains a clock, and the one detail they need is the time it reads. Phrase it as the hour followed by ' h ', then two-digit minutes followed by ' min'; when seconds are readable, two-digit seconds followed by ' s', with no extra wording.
2 h 09 min
